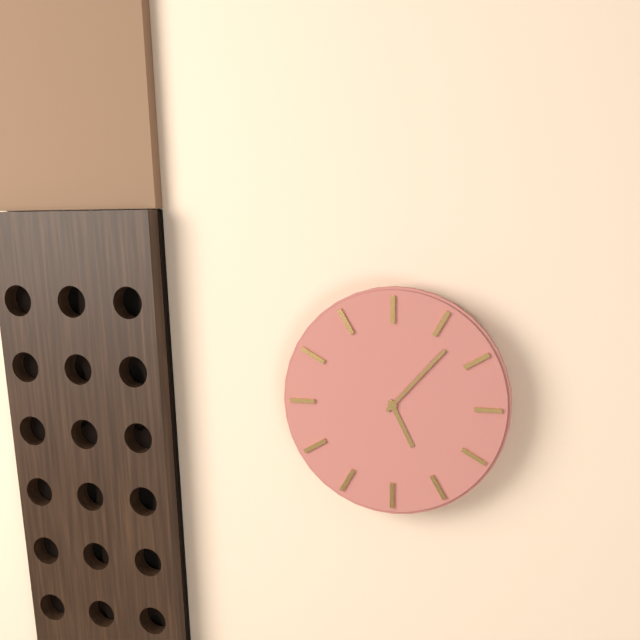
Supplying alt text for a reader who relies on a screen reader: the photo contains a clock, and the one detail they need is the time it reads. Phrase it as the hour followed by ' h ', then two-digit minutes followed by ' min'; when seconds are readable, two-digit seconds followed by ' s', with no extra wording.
5 h 07 min
